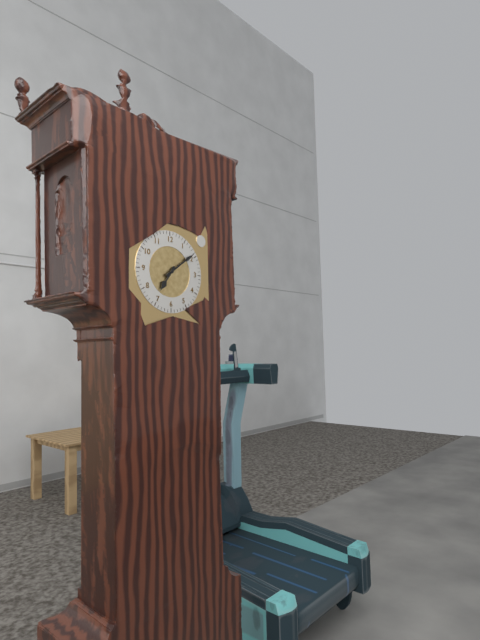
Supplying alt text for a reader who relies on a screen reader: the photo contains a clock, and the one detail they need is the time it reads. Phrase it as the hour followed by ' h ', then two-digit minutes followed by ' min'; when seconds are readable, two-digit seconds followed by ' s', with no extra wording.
7 h 09 min
